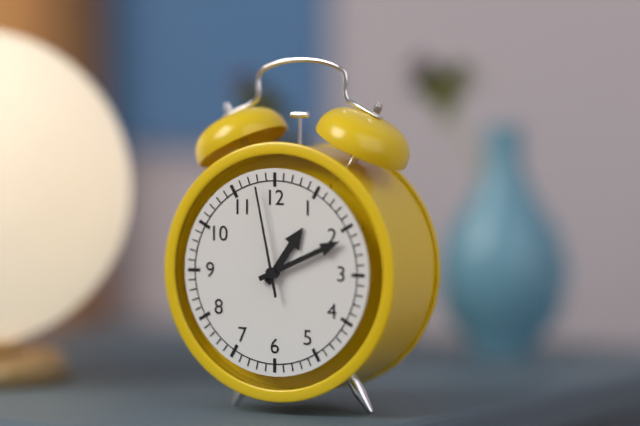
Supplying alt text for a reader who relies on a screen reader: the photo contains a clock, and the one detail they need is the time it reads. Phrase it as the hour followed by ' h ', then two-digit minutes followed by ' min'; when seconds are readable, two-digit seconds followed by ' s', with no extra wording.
1 h 11 min 58 s
